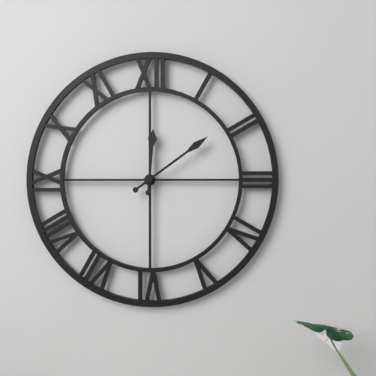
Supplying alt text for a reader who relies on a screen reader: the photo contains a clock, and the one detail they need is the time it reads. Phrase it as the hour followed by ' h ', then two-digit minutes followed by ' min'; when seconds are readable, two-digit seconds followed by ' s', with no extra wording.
12 h 09 min
